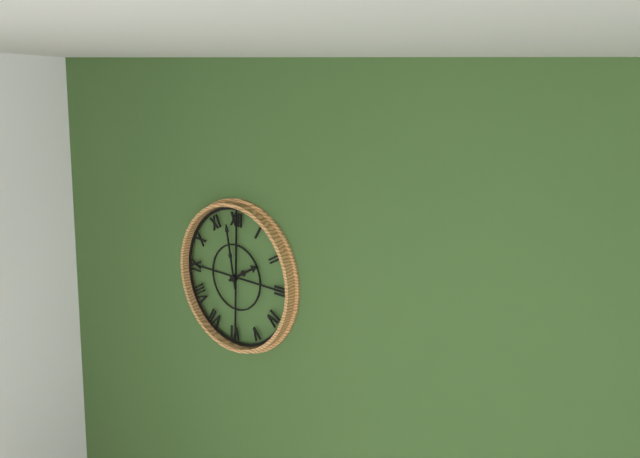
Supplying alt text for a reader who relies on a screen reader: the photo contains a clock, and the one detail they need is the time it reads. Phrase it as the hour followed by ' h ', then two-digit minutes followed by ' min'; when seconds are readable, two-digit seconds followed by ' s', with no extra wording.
1 h 58 min
